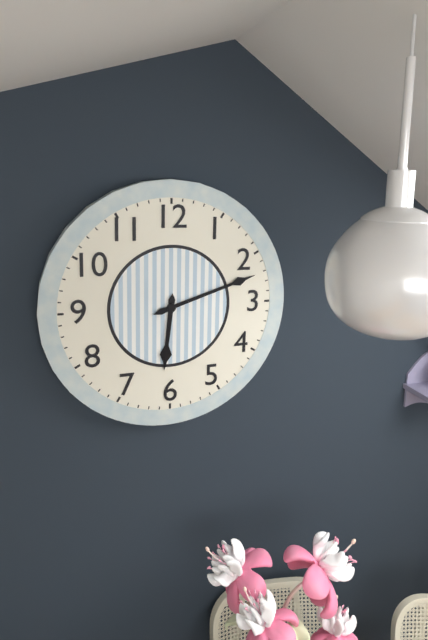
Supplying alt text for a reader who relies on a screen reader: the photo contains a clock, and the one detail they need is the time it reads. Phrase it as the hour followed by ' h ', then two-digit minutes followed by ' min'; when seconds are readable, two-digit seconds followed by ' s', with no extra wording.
6 h 12 min
